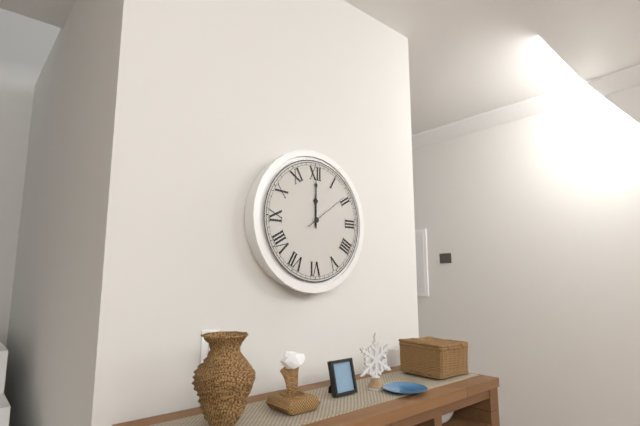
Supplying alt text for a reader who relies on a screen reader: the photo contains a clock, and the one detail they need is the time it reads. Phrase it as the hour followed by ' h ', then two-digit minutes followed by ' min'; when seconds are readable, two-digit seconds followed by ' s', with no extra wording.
12 h 00 min
